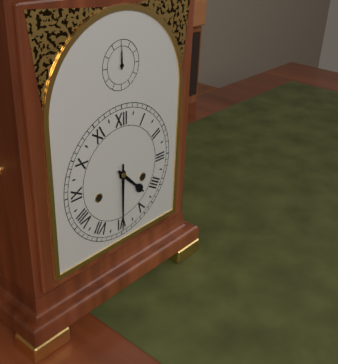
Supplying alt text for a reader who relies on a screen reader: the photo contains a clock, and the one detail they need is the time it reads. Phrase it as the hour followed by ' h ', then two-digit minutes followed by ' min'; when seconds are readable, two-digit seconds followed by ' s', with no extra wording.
4 h 30 min
